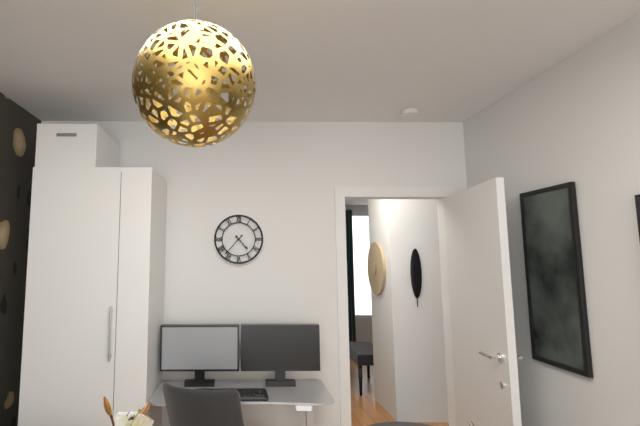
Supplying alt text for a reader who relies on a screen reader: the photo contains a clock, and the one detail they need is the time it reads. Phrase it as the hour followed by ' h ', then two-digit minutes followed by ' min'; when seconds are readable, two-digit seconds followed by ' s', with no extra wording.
4 h 37 min
